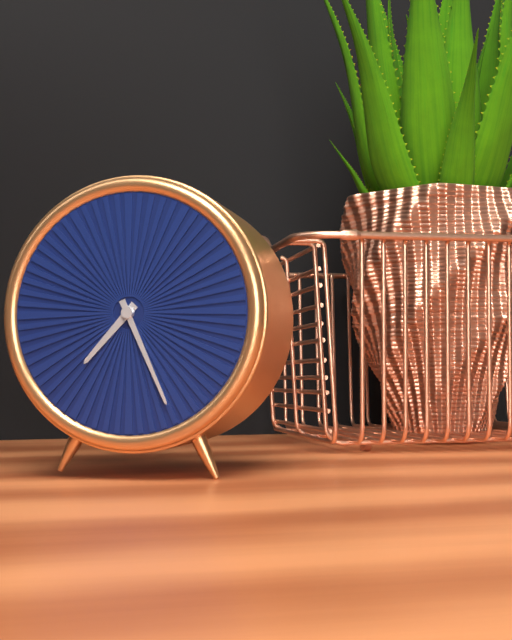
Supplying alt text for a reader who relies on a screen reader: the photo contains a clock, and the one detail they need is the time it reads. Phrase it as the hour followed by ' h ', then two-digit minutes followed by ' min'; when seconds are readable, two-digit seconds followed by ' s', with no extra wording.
7 h 26 min
